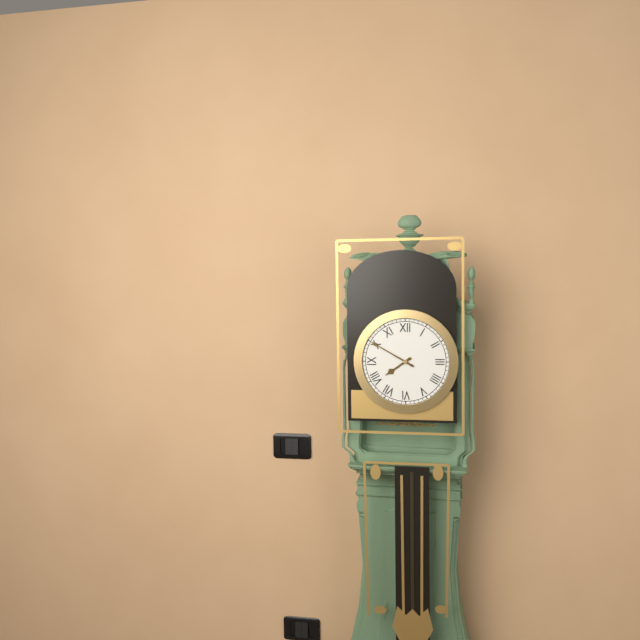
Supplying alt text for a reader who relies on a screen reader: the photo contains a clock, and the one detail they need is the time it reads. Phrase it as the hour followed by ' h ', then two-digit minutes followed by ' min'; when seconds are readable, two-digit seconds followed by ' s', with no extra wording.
7 h 50 min
